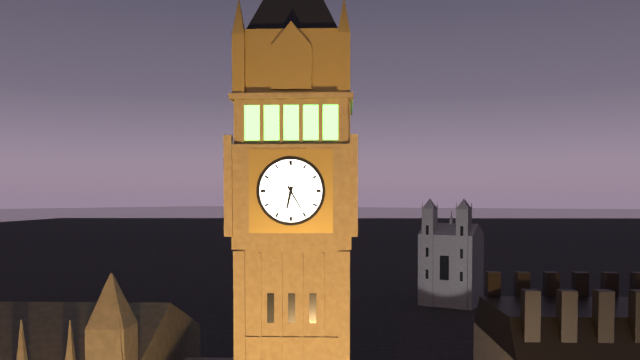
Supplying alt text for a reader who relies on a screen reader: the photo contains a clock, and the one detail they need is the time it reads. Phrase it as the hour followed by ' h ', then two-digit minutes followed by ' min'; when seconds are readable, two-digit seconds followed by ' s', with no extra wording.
6 h 25 min
